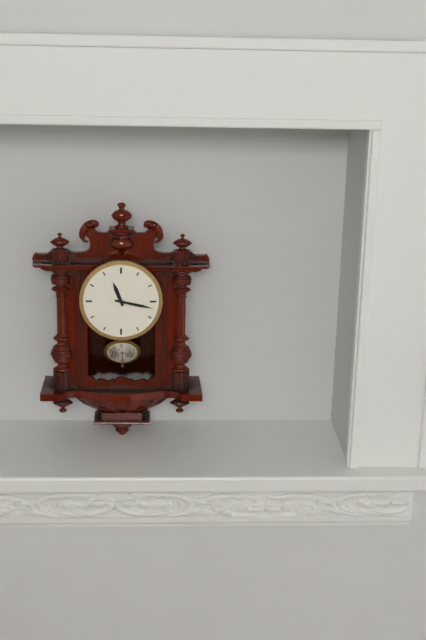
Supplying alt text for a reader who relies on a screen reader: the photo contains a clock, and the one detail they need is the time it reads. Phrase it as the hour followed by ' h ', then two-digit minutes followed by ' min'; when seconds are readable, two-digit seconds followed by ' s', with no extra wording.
11 h 17 min
